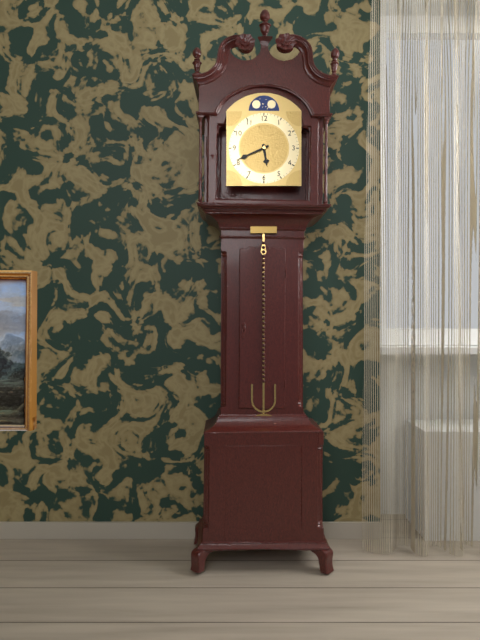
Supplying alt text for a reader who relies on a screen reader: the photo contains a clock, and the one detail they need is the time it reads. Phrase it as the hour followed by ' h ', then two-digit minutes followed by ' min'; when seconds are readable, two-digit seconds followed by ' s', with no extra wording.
5 h 41 min
